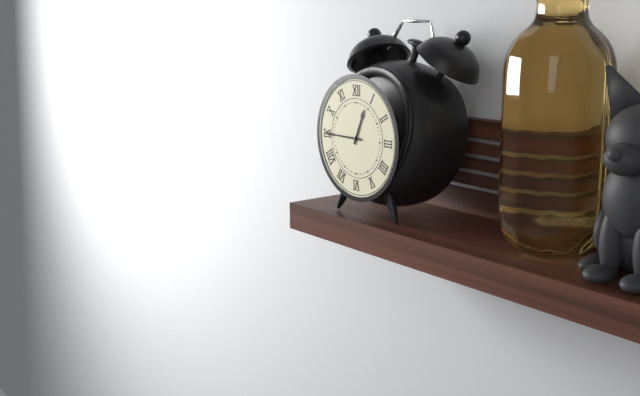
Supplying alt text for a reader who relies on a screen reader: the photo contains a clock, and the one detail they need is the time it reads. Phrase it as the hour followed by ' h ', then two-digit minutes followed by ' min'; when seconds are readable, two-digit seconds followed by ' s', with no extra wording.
12 h 45 min
